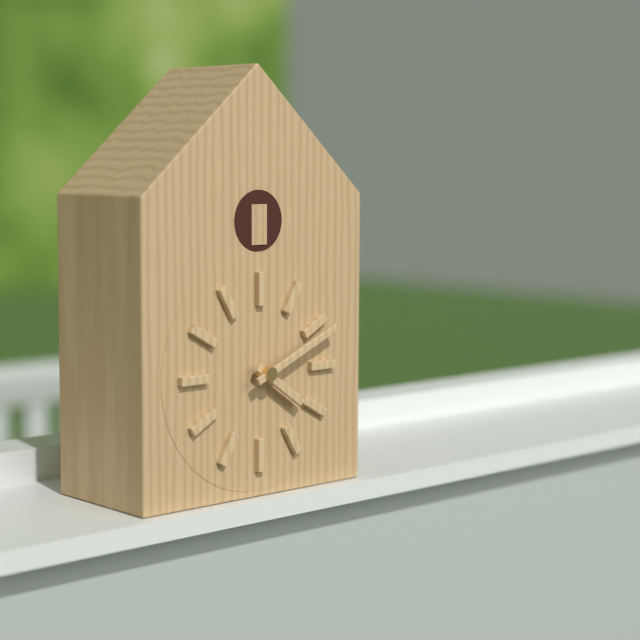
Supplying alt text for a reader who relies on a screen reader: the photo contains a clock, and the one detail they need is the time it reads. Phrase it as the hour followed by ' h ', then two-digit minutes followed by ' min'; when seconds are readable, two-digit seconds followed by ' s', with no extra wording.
4 h 11 min
